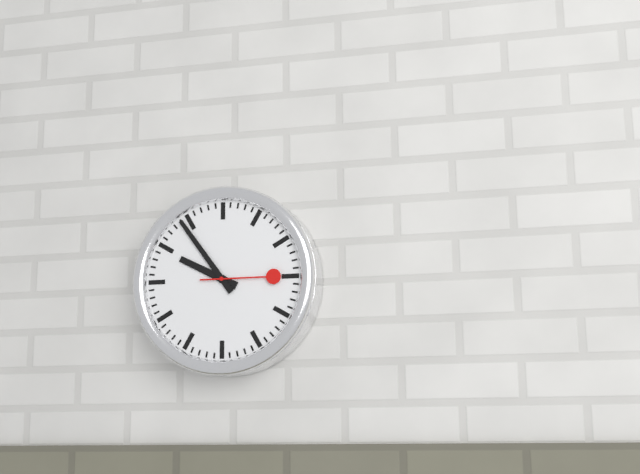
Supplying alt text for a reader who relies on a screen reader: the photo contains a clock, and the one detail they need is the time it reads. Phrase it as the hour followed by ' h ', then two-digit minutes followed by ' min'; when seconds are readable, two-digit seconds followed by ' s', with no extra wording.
9 h 54 min 15 s
